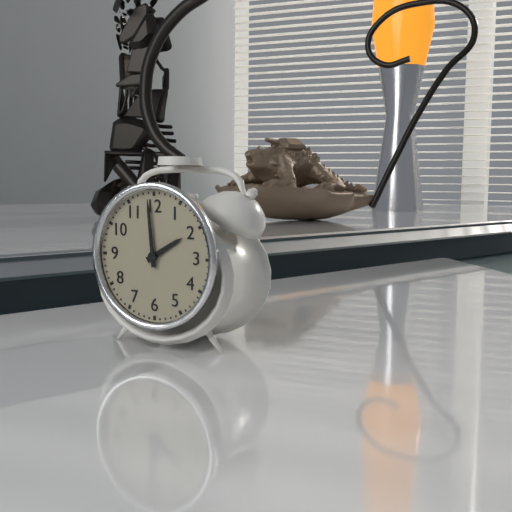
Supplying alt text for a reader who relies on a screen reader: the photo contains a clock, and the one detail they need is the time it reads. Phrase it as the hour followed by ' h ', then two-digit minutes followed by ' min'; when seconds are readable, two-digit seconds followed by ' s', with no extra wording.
1 h 59 min
